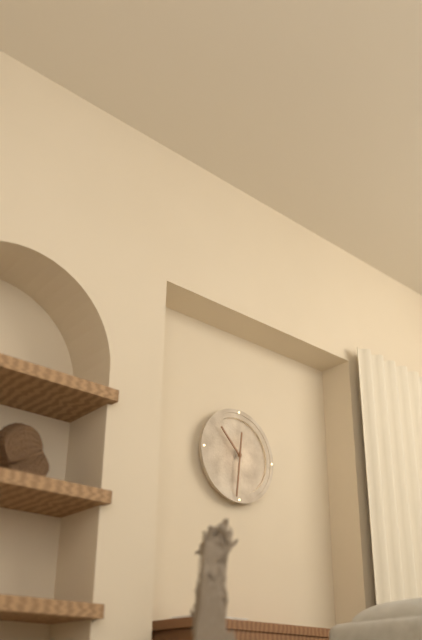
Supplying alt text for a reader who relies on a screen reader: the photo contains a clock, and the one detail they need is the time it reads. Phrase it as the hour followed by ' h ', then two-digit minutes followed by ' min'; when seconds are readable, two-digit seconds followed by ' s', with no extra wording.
10 h 31 min
